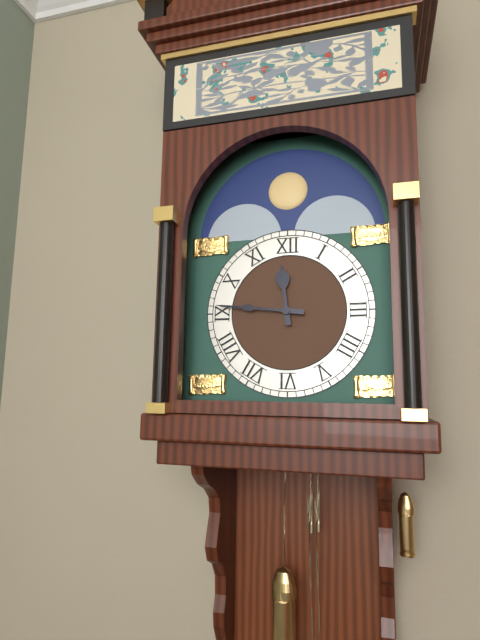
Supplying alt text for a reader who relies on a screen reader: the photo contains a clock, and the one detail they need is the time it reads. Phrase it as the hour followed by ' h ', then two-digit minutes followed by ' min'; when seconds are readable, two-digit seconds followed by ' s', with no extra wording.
11 h 46 min
